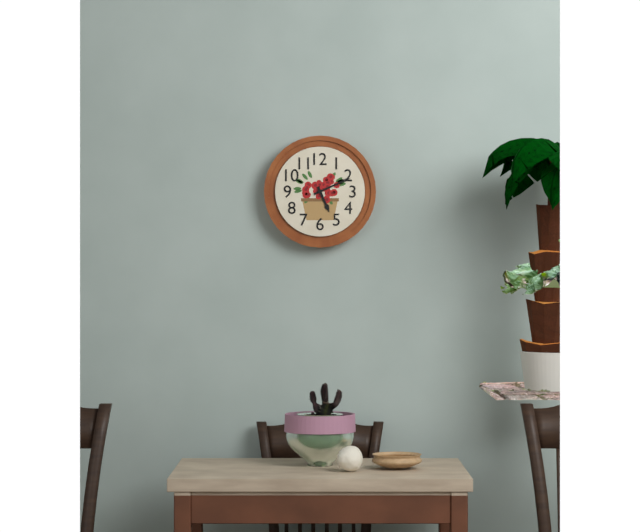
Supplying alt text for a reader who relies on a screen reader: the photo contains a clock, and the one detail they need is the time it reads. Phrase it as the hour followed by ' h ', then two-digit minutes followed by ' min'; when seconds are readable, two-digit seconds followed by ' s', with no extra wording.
5 h 11 min
